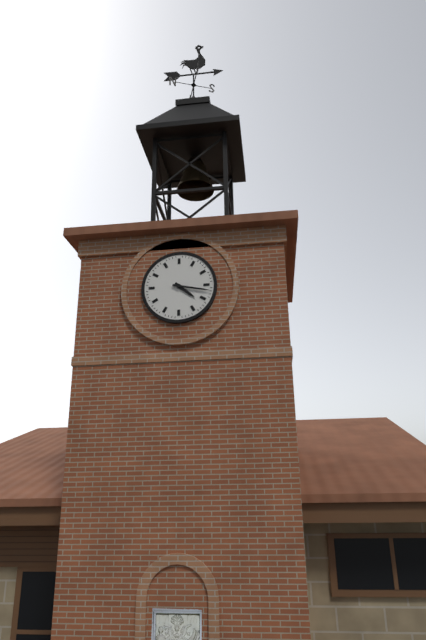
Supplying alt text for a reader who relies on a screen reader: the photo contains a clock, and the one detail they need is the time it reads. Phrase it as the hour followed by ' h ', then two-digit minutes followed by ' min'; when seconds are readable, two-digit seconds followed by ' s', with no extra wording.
4 h 17 min
